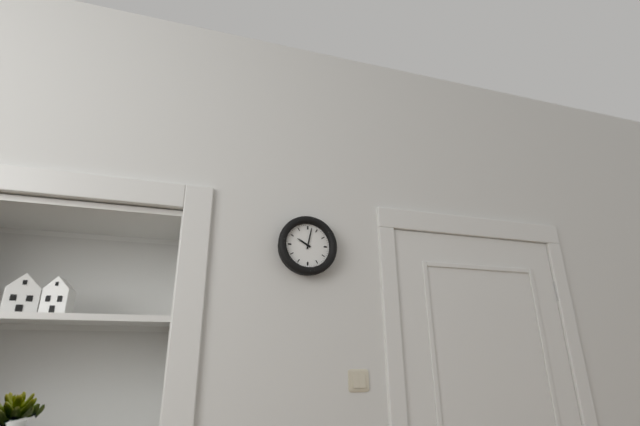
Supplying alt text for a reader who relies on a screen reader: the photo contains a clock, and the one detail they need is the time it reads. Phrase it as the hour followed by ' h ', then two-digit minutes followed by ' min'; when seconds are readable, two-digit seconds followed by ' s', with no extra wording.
10 h 02 min
